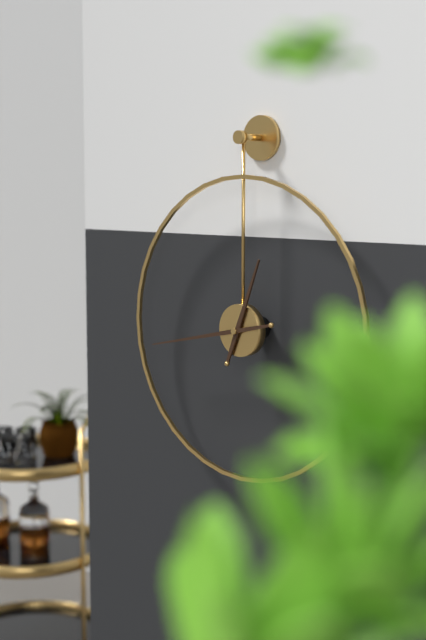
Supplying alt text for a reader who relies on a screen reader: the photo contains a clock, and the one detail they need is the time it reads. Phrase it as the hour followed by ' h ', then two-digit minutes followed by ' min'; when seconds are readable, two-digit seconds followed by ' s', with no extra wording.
12 h 43 min
